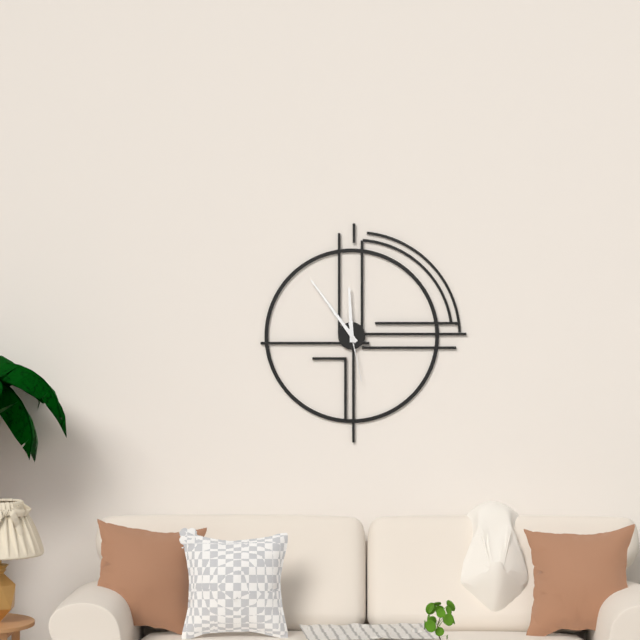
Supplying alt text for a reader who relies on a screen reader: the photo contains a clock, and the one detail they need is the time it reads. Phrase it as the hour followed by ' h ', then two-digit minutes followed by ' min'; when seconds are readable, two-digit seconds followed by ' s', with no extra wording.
11 h 54 min 28 s
